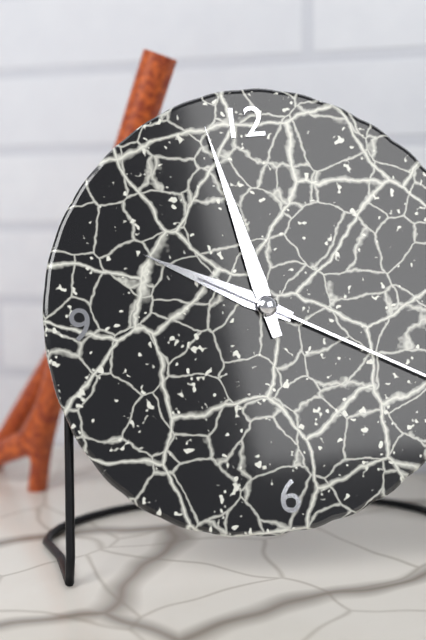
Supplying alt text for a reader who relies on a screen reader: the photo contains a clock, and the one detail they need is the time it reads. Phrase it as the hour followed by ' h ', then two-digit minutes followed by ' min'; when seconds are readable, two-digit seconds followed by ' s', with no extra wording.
9 h 58 min
